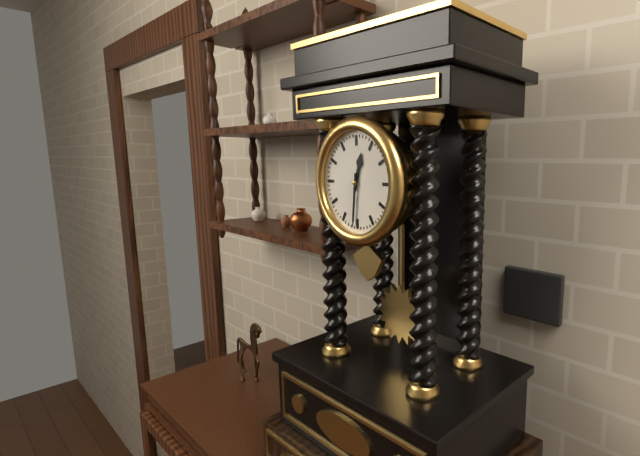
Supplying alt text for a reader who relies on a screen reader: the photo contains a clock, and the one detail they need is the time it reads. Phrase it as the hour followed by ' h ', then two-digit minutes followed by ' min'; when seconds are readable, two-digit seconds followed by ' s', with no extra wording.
12 h 31 min
